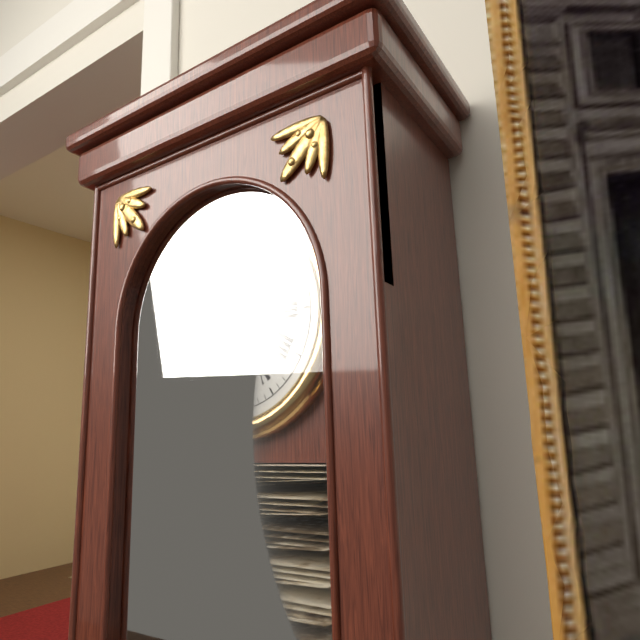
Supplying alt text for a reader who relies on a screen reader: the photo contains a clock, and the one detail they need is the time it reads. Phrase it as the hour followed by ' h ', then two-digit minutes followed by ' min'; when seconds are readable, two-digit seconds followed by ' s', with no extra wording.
10 h 30 min
